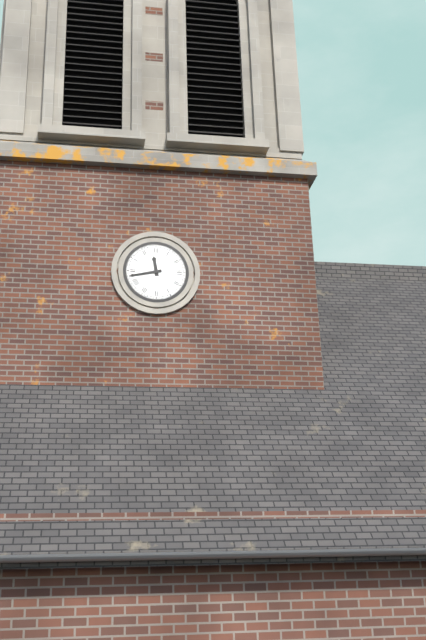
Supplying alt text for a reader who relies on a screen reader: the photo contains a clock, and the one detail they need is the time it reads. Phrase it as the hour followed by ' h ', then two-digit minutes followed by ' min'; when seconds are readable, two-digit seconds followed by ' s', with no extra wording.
11 h 43 min
